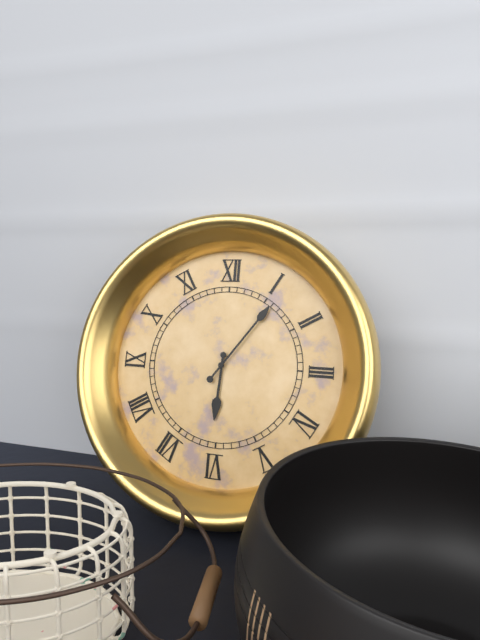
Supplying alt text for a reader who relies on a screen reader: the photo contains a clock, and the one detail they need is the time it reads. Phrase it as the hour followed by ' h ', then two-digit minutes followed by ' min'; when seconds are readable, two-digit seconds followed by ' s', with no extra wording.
6 h 06 min
